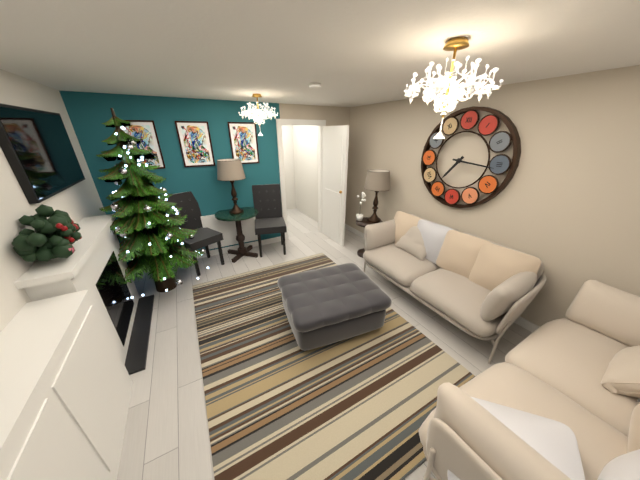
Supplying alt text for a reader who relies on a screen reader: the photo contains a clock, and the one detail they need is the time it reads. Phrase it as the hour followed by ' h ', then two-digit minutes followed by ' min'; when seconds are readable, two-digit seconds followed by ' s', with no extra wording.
7 h 16 min
